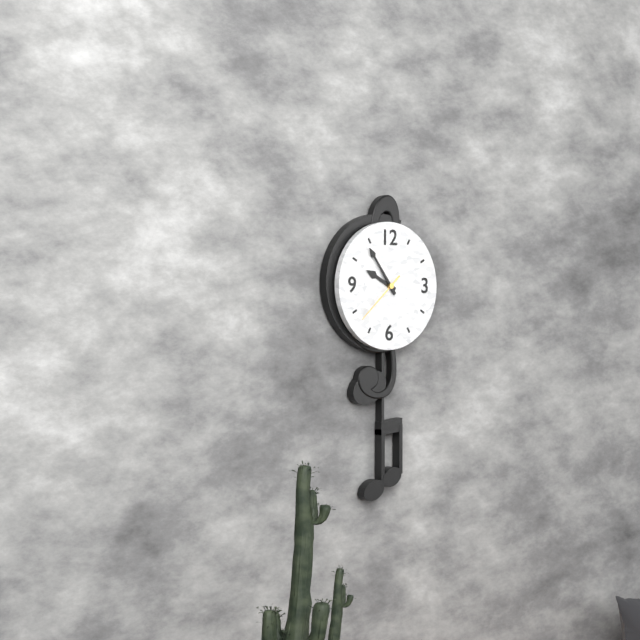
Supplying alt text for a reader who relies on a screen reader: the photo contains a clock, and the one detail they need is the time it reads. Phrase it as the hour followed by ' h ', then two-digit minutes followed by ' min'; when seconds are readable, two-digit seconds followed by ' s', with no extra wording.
9 h 54 min 38 s
